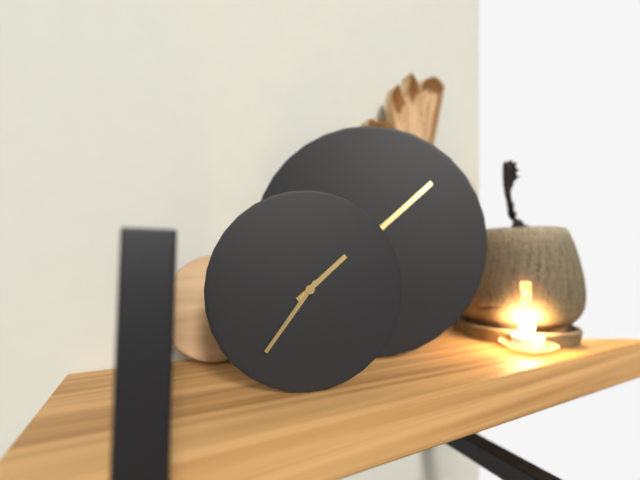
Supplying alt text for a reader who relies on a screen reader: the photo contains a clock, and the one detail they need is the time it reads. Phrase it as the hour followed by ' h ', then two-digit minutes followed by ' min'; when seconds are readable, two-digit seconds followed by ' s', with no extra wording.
1 h 36 min
